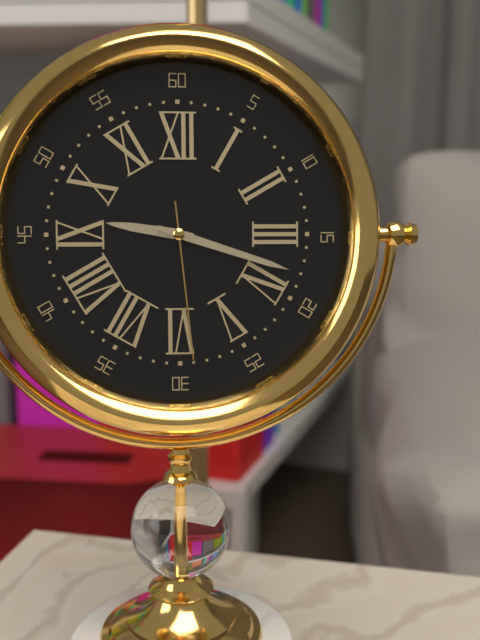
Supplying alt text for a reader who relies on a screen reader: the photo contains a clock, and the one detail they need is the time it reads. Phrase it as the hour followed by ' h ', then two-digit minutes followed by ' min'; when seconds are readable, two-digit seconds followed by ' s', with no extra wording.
9 h 18 min 29 s
